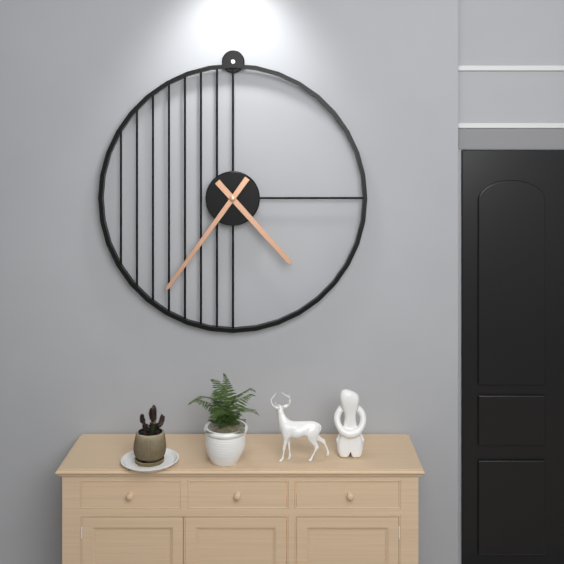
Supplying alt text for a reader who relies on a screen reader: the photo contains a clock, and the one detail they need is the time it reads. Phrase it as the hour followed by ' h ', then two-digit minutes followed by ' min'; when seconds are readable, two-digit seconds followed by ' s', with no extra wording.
4 h 36 min
